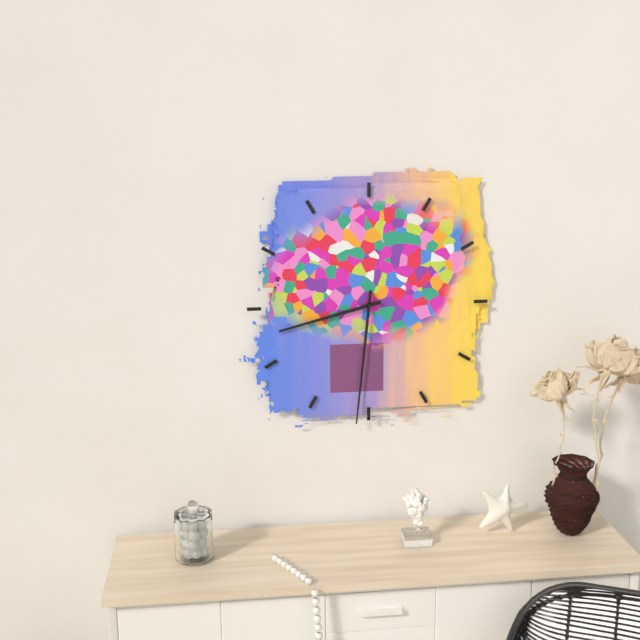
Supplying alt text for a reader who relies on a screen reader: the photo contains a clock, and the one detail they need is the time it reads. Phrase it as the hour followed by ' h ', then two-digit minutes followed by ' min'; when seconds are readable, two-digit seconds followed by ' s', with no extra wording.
8 h 31 min
